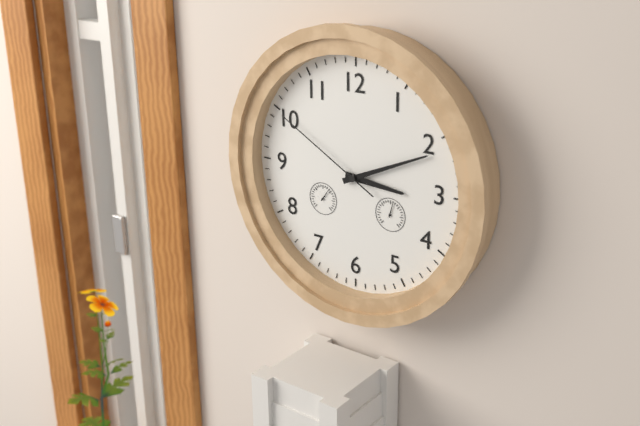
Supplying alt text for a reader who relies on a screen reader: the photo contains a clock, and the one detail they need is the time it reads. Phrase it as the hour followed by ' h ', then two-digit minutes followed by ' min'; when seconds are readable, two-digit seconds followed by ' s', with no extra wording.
3 h 11 min 50 s
